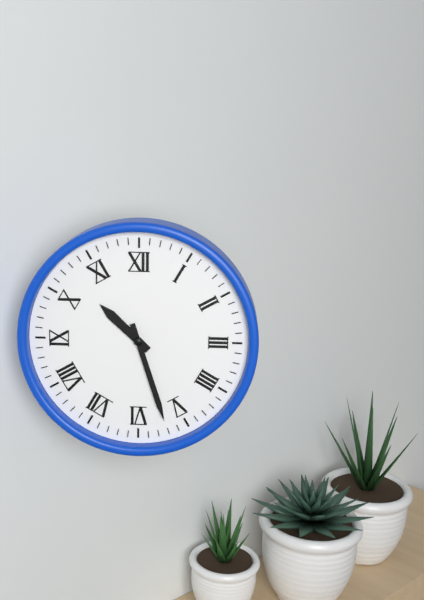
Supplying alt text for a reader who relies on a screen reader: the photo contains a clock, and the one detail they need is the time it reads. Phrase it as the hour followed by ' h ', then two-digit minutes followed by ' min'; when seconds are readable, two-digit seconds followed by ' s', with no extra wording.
10 h 27 min
